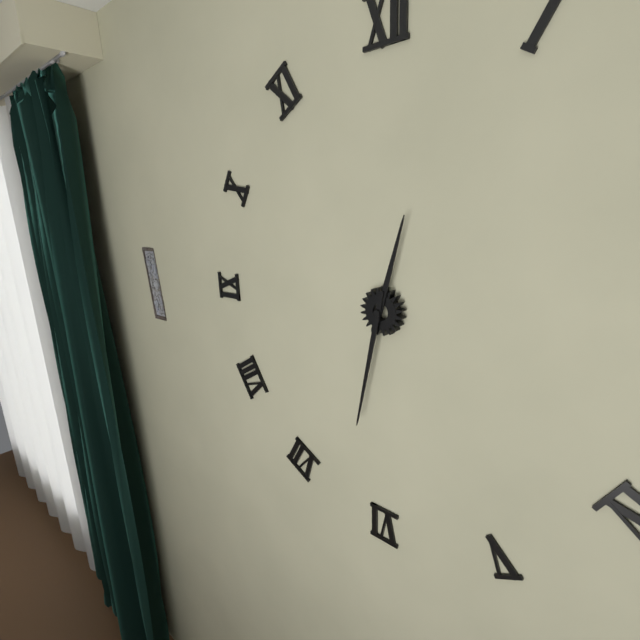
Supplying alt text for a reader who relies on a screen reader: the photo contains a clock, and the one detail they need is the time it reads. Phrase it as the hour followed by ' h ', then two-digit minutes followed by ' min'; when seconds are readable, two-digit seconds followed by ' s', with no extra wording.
12 h 32 min
